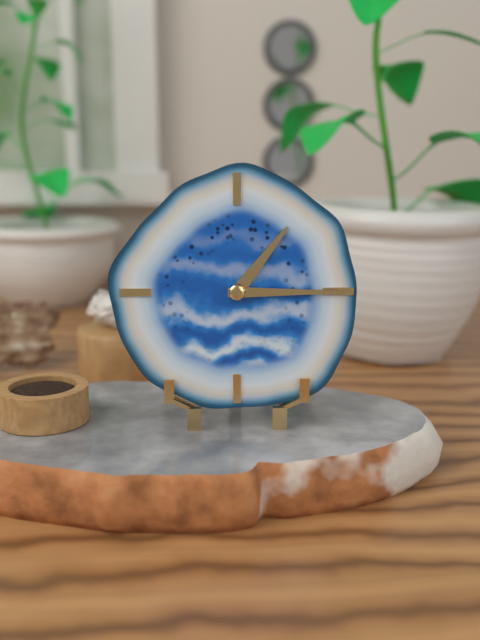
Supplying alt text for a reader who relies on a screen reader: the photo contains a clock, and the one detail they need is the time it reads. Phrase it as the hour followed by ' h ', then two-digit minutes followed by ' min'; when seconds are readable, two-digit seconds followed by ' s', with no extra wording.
1 h 15 min
